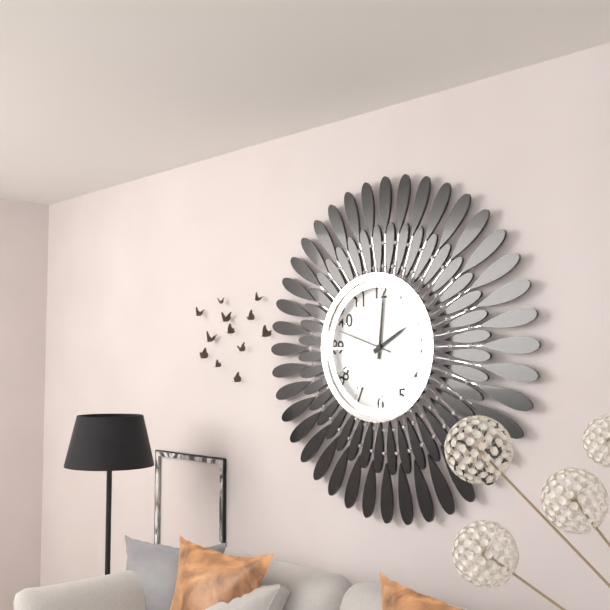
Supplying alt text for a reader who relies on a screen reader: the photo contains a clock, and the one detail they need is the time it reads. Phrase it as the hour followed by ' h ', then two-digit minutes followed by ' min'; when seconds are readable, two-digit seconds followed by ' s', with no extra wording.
2 h 01 min 48 s
